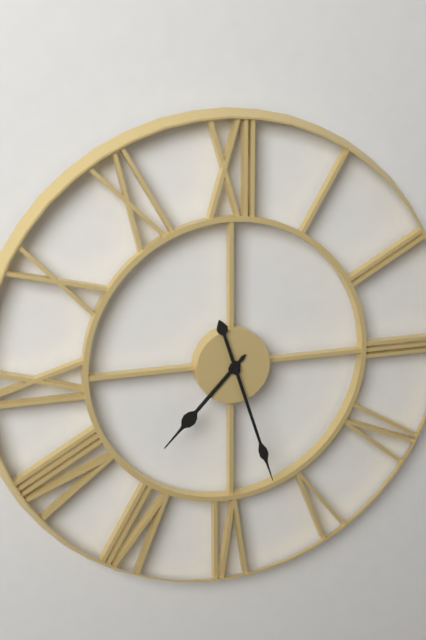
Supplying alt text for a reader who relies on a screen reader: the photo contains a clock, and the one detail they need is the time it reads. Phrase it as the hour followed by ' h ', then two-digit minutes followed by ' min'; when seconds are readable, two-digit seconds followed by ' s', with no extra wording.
7 h 27 min
